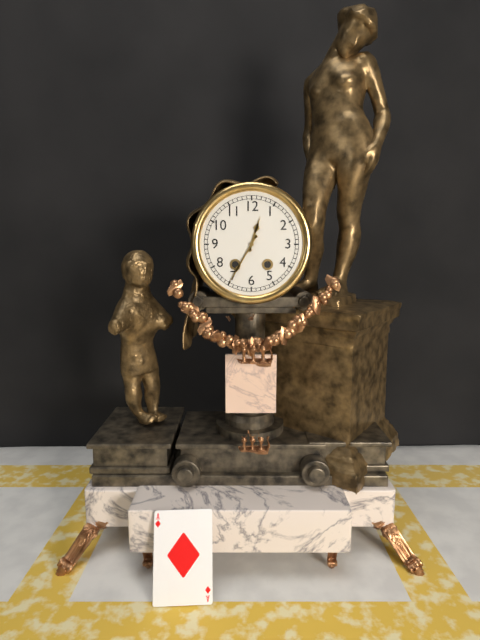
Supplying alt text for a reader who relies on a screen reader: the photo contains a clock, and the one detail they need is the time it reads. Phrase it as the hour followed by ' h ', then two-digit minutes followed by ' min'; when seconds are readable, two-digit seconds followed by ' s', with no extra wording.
12 h 35 min
